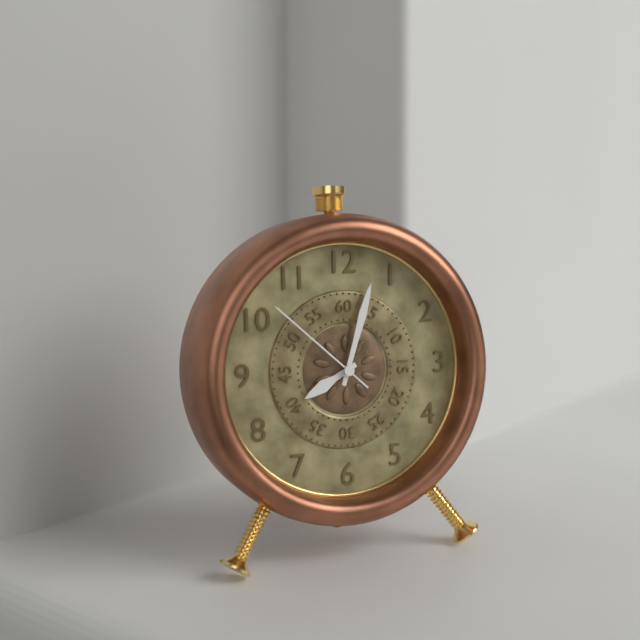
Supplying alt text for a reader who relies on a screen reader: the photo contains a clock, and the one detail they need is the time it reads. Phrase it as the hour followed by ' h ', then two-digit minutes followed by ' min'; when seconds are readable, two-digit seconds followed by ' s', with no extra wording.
8 h 03 min 52 s
